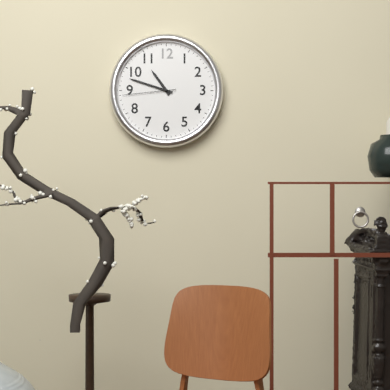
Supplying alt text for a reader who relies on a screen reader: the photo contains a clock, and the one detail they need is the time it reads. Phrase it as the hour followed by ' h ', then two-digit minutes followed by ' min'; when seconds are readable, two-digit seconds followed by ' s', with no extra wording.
10 h 48 min 44 s
